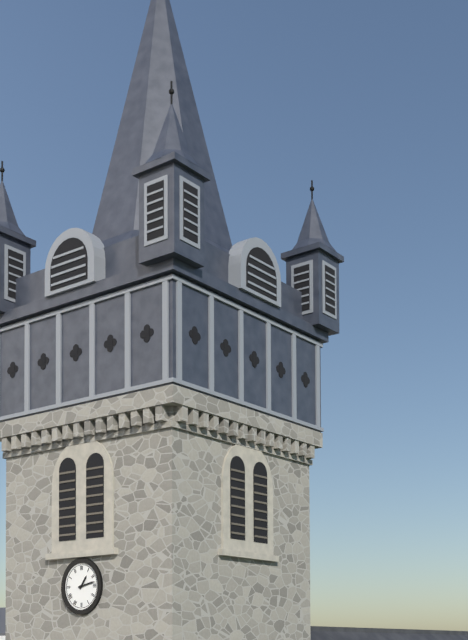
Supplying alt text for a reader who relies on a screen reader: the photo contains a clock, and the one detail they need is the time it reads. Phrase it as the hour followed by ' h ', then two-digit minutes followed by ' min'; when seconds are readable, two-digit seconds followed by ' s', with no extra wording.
1 h 13 min
